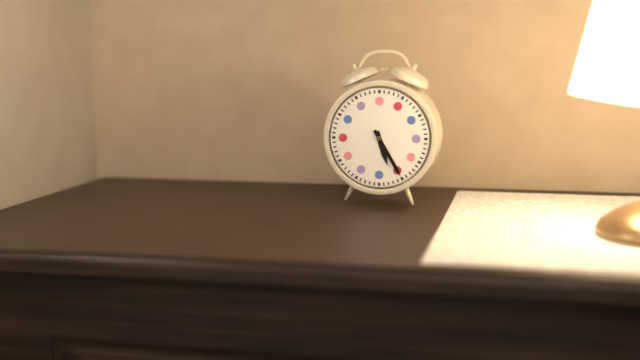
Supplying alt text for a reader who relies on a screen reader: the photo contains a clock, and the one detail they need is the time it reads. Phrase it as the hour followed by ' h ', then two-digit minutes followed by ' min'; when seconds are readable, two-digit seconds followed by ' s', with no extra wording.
5 h 25 min
